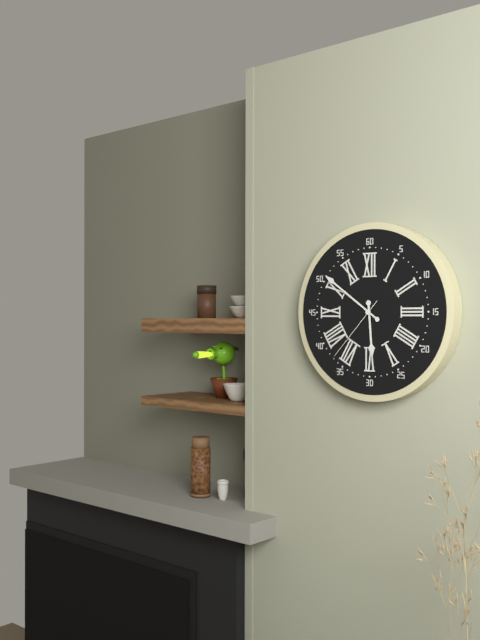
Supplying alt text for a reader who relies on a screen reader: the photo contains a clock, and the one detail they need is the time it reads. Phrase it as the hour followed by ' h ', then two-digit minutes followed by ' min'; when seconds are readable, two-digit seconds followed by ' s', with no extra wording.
5 h 51 min 37 s
